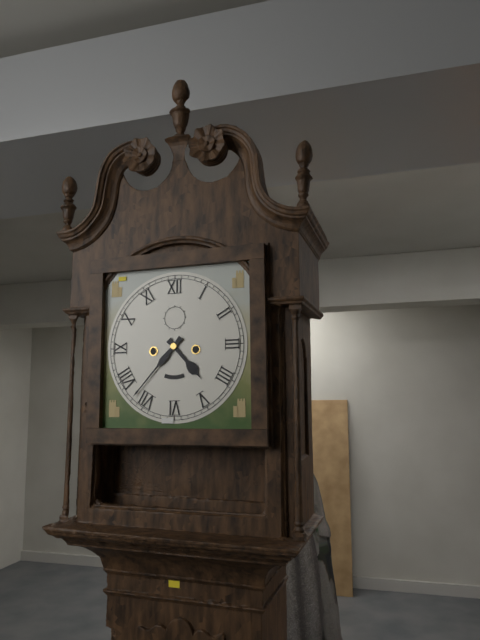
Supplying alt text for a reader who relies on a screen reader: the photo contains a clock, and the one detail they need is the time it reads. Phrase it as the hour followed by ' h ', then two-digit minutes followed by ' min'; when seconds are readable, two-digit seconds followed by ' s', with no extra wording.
4 h 37 min
